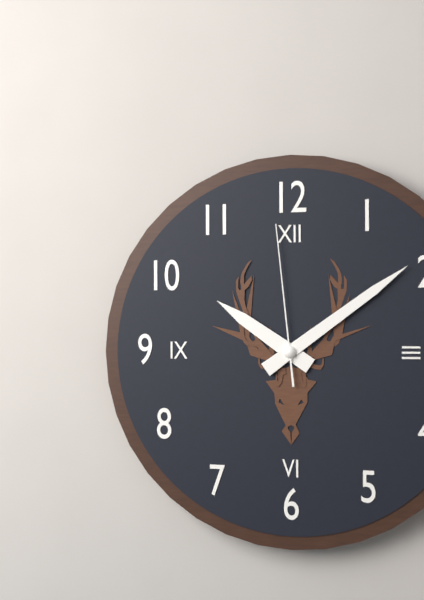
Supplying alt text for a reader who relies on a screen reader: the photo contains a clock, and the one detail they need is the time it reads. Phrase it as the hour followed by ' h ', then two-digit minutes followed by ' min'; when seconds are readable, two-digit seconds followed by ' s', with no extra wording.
10 h 09 min 59 s
